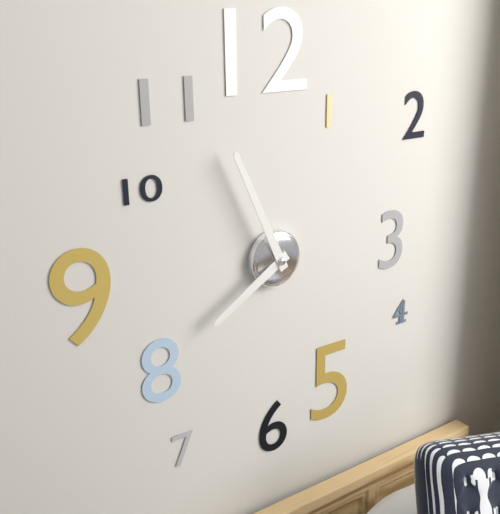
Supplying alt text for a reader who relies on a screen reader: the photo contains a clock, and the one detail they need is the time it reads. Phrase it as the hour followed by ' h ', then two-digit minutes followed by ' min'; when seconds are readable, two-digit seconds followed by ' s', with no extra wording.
7 h 56 min
